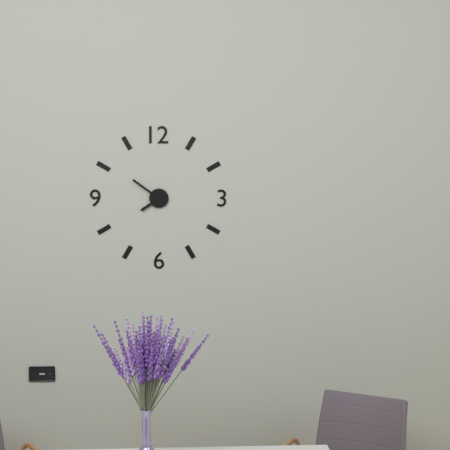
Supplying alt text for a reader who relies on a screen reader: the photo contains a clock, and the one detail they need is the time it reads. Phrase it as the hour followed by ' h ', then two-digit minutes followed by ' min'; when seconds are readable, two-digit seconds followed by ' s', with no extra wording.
7 h 51 min
